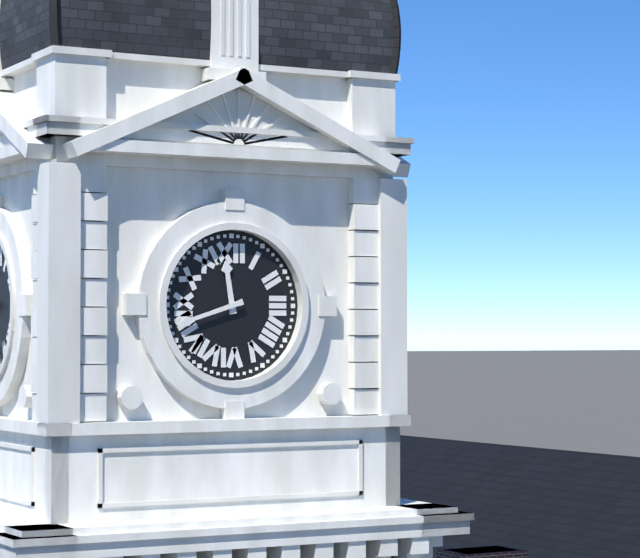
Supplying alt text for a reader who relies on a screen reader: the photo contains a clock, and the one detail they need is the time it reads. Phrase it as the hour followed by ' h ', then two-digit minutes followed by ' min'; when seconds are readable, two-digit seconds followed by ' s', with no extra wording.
11 h 42 min
